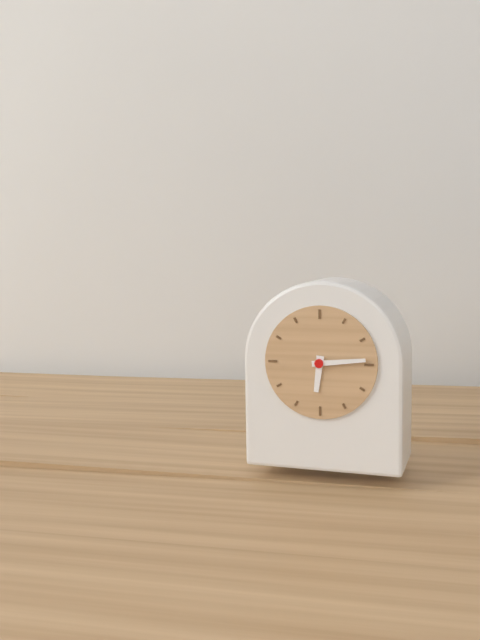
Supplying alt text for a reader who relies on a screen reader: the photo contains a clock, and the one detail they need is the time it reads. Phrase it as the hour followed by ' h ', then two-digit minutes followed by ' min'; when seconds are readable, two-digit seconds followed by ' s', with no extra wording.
6 h 14 min
